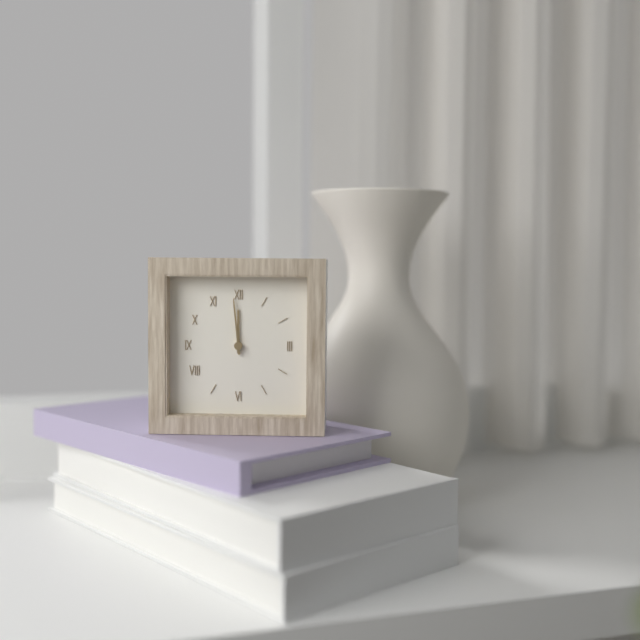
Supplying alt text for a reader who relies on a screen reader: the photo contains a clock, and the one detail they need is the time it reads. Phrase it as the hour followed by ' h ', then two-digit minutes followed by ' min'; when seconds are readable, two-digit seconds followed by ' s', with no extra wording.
11 h 59 min
